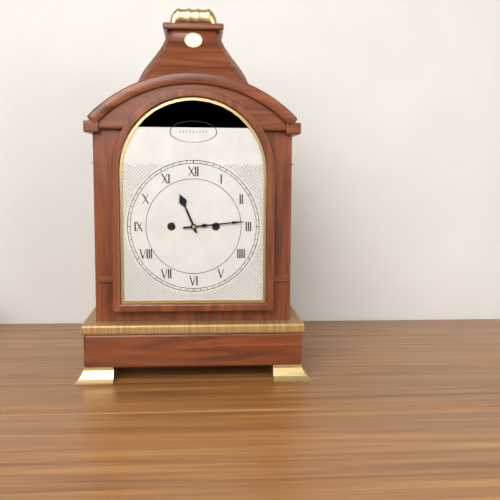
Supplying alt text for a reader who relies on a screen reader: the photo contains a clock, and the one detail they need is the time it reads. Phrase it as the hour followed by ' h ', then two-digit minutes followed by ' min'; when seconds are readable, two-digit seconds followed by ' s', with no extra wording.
11 h 14 min
